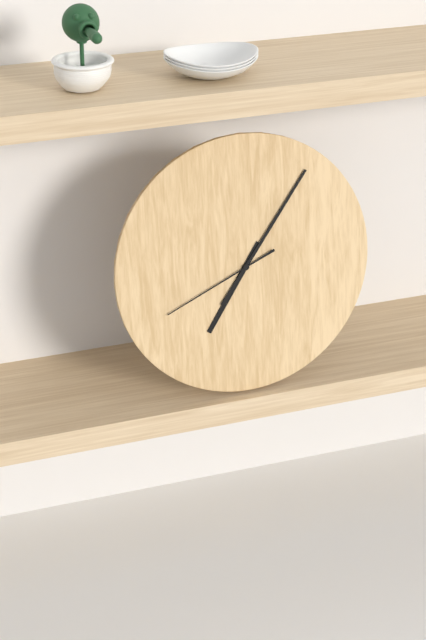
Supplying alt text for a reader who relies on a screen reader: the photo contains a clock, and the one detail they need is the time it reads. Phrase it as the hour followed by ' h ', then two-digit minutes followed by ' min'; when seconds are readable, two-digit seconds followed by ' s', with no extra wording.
7 h 06 min 41 s
